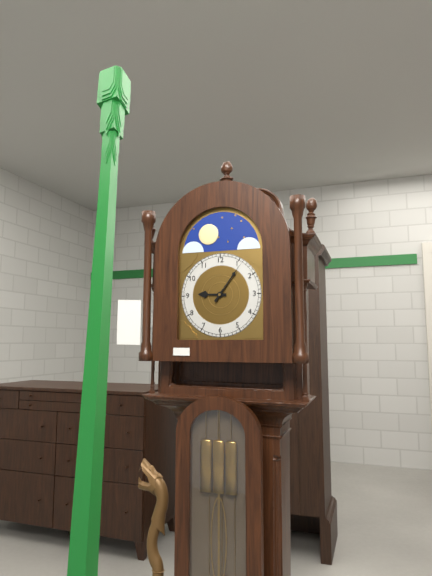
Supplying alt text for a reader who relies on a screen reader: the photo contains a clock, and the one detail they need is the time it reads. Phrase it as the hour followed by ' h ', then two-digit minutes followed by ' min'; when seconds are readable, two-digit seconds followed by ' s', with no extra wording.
9 h 06 min
